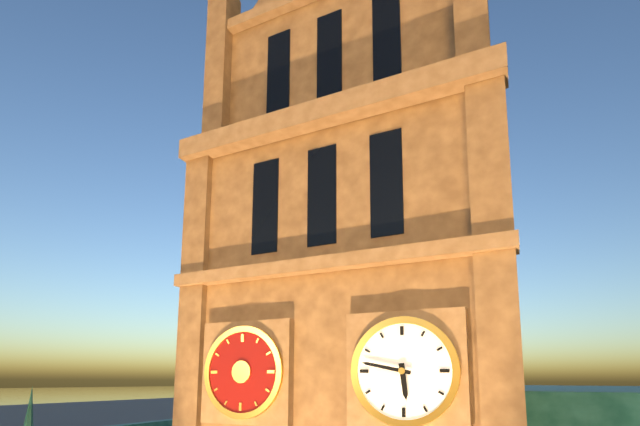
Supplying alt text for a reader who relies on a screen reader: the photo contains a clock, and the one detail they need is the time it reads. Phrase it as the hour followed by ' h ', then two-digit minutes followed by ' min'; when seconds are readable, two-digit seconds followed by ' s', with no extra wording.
5 h 47 min
